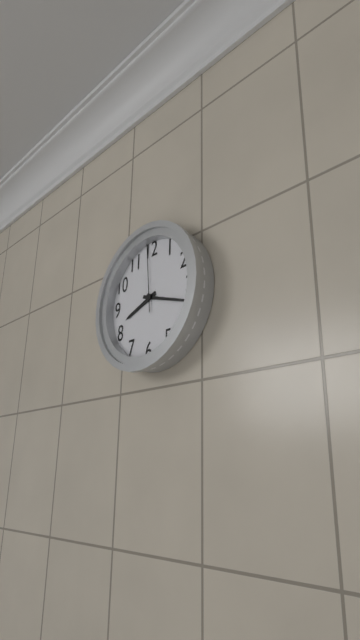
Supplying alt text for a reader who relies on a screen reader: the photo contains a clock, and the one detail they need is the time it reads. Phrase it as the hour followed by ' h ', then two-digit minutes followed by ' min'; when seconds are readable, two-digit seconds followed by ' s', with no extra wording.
8 h 18 min 59 s
